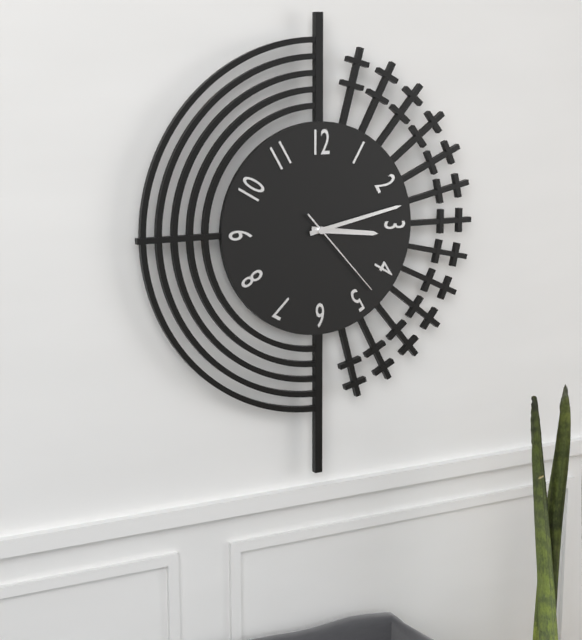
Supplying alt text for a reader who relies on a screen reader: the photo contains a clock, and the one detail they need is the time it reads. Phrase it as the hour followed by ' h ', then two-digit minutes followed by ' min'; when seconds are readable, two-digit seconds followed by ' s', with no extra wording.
3 h 13 min 23 s
